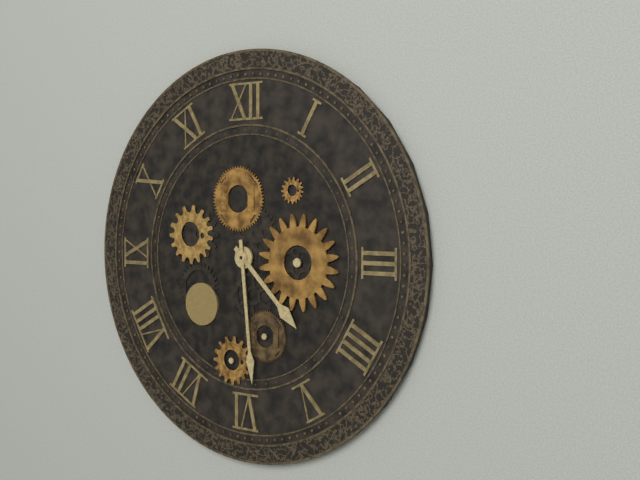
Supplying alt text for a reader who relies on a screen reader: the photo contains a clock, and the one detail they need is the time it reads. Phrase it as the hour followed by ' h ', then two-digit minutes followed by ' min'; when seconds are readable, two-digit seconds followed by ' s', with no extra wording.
4 h 29 min
